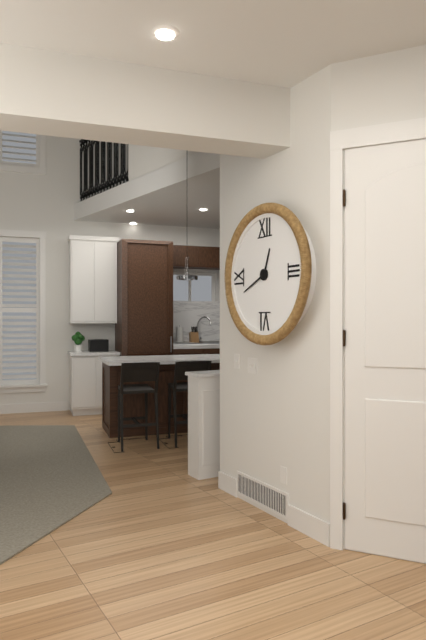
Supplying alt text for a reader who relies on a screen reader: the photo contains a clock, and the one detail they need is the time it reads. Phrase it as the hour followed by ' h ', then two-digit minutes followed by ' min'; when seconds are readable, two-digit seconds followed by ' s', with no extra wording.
12 h 41 min
